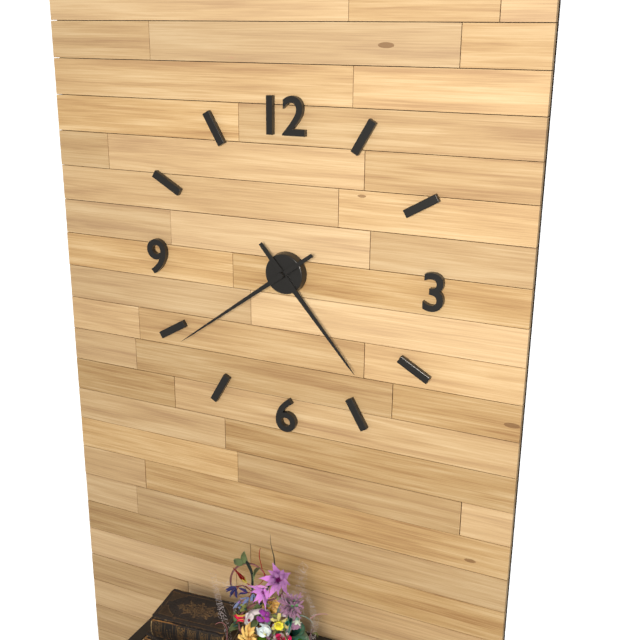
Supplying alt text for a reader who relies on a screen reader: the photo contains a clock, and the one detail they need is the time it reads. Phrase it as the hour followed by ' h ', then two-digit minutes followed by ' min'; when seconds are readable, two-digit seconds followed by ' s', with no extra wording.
4 h 39 min
